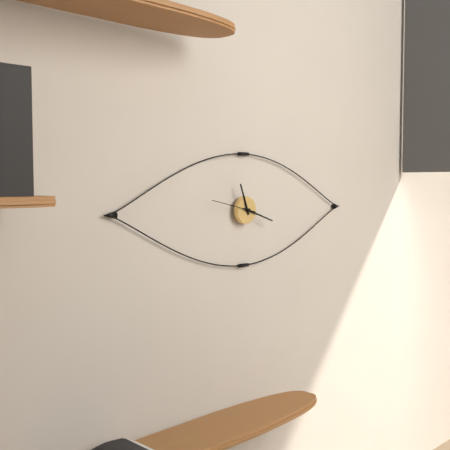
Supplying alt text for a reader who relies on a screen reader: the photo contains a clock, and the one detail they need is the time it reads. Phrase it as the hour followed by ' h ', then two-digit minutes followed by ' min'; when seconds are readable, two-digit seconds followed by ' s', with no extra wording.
11 h 18 min
